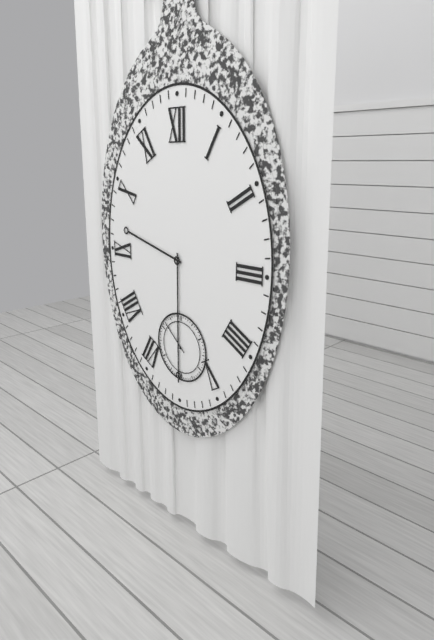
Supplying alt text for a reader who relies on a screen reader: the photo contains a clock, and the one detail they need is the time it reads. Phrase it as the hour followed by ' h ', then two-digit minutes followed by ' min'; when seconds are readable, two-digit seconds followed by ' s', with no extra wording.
9 h 30 min
